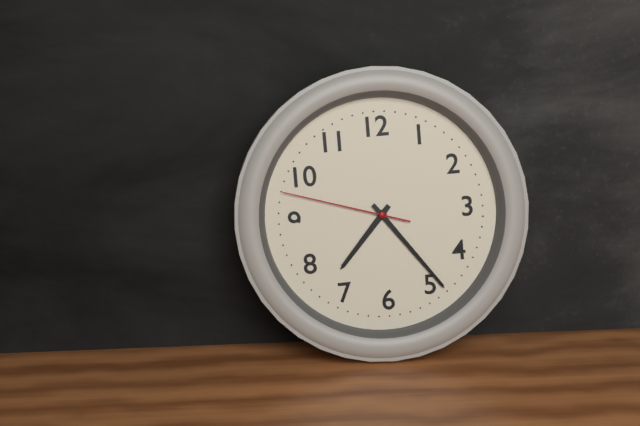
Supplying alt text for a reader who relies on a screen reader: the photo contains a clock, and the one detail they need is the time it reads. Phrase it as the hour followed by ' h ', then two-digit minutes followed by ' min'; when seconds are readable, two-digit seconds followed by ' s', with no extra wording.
7 h 24 min 48 s
